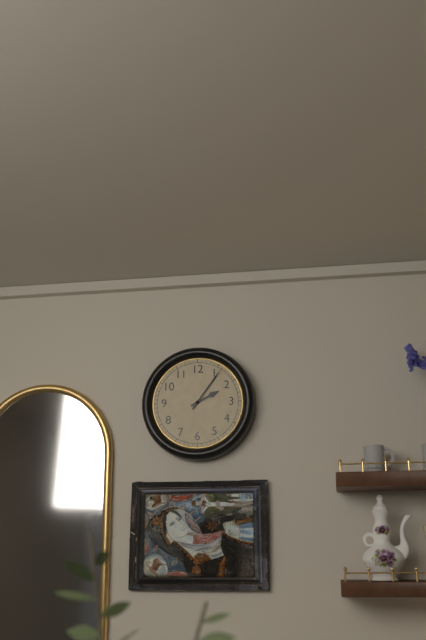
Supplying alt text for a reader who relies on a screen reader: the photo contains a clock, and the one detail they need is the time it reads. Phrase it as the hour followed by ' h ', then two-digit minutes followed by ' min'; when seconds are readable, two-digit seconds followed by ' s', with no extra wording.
2 h 06 min
